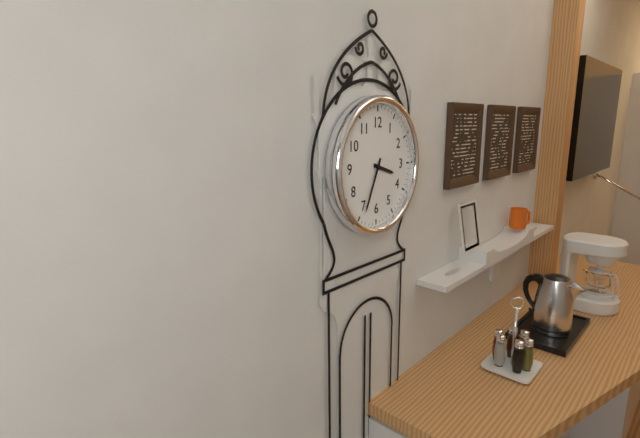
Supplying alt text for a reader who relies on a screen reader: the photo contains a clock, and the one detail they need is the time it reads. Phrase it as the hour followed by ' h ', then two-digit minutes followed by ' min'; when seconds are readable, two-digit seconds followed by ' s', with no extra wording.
3 h 34 min
